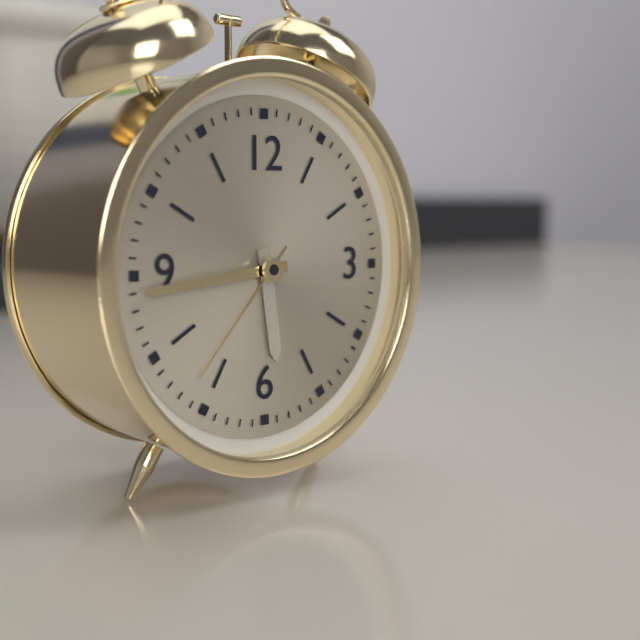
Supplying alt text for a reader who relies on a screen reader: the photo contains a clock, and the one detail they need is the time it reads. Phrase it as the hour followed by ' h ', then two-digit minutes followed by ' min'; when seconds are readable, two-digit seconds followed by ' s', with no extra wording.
5 h 44 min 37 s
